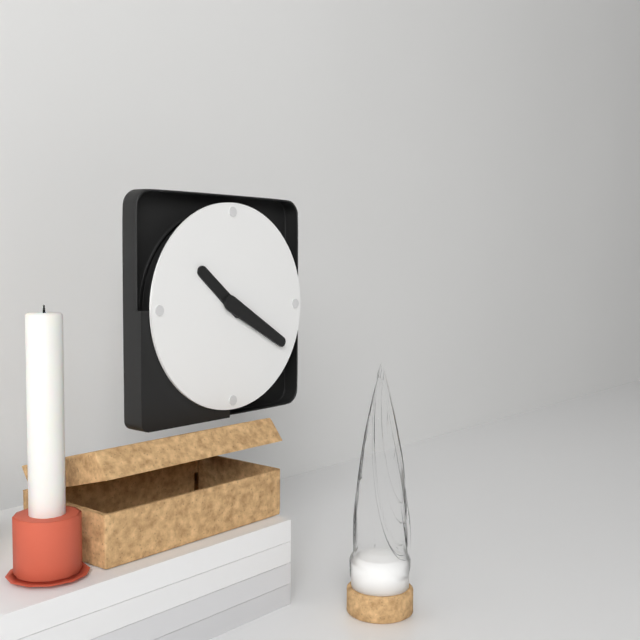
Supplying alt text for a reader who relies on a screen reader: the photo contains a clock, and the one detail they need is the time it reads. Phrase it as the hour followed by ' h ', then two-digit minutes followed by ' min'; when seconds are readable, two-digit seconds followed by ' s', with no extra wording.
10 h 20 min
